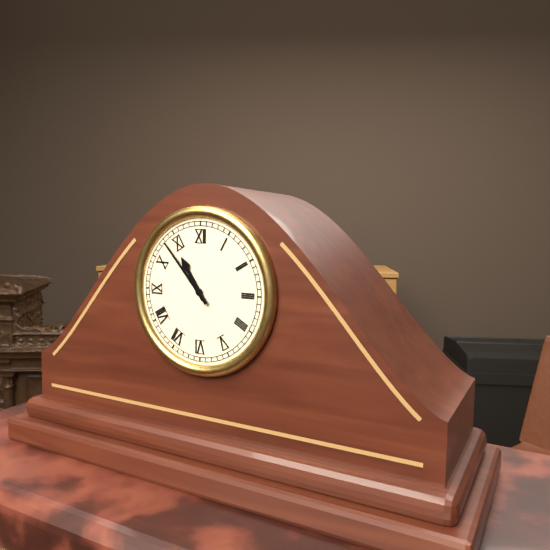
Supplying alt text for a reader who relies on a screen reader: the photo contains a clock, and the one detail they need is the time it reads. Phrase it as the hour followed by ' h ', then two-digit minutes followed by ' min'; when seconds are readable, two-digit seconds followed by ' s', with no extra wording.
10 h 53 min
